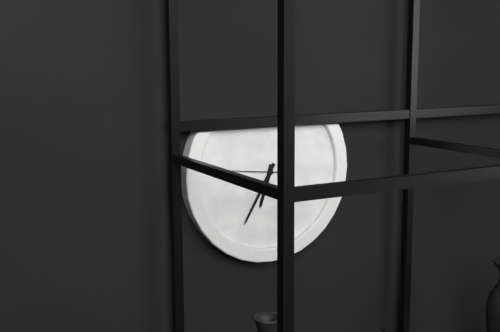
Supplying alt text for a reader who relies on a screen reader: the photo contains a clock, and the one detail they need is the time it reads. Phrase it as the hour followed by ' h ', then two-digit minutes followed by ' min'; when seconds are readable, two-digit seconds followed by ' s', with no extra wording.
6 h 35 min 46 s
